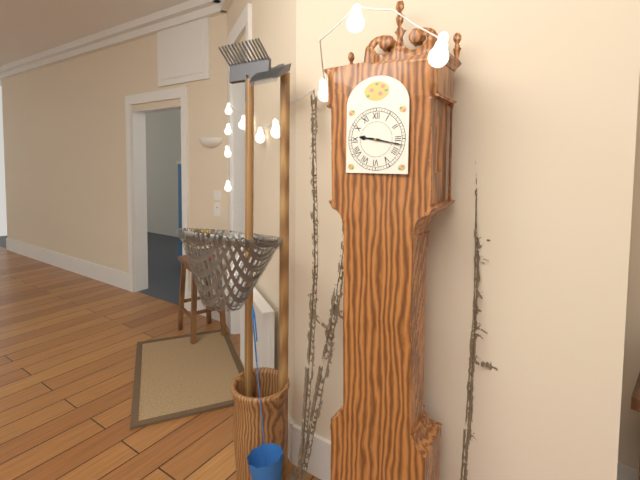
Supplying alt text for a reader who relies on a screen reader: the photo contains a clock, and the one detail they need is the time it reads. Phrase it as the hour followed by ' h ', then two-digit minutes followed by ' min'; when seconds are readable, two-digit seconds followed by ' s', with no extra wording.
9 h 17 min
